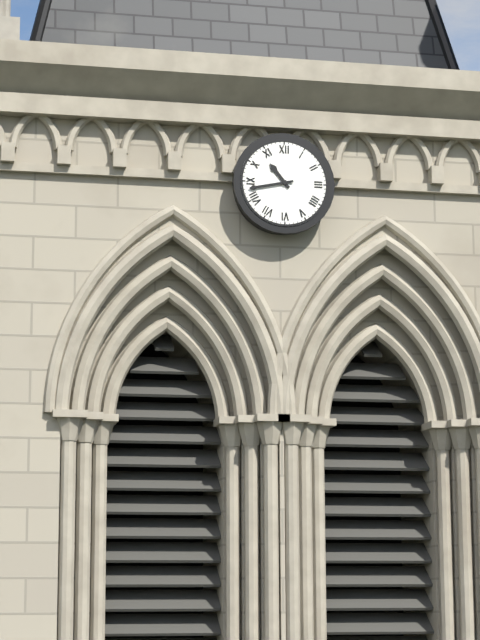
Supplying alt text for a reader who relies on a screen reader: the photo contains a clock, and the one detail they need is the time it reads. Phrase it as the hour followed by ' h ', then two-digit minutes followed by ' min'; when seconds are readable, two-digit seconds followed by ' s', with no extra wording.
10 h 43 min
